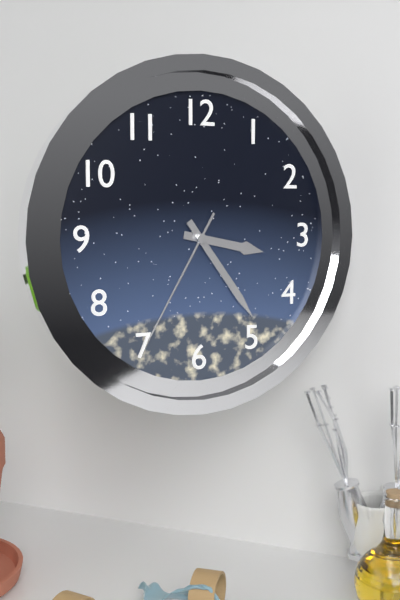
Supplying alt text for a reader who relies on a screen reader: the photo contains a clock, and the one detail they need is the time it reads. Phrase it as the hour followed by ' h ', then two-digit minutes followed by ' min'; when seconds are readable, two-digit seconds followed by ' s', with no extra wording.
3 h 24 min 35 s
